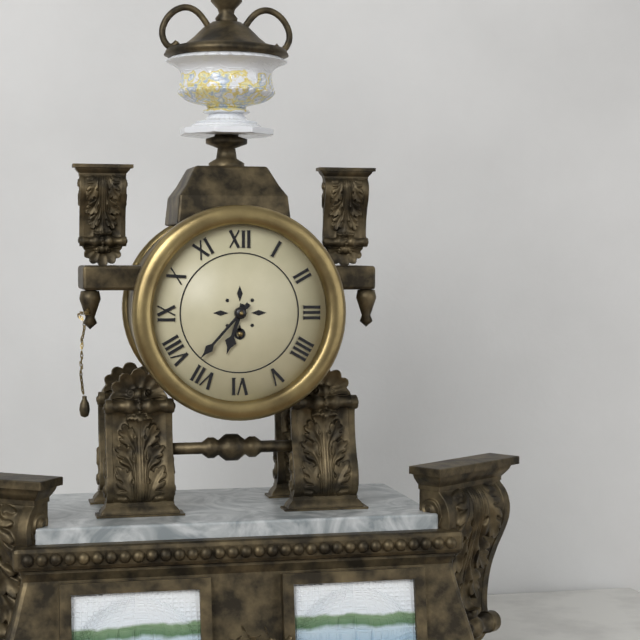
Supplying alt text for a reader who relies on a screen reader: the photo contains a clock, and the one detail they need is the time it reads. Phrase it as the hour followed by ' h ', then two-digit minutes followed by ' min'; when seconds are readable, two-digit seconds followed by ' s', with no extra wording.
6 h 37 min
